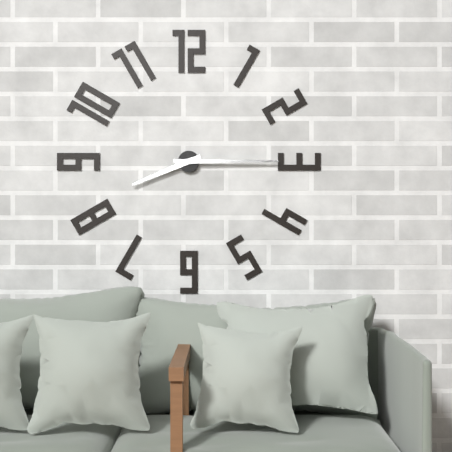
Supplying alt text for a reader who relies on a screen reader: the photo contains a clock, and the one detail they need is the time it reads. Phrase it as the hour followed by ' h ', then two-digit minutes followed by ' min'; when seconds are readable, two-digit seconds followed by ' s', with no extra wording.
8 h 15 min
